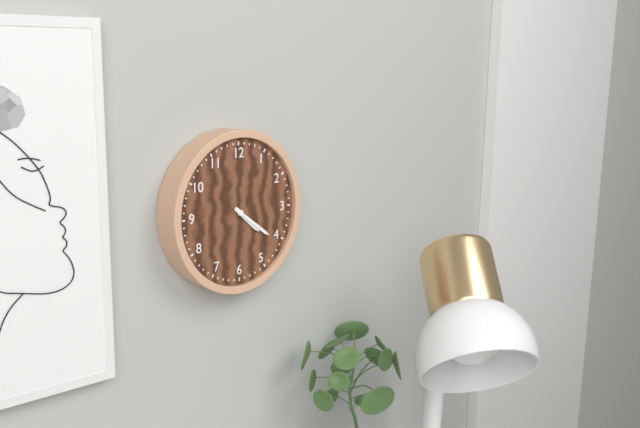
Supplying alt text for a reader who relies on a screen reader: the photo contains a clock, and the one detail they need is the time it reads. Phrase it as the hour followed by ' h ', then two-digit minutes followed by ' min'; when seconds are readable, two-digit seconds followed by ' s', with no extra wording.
4 h 21 min
